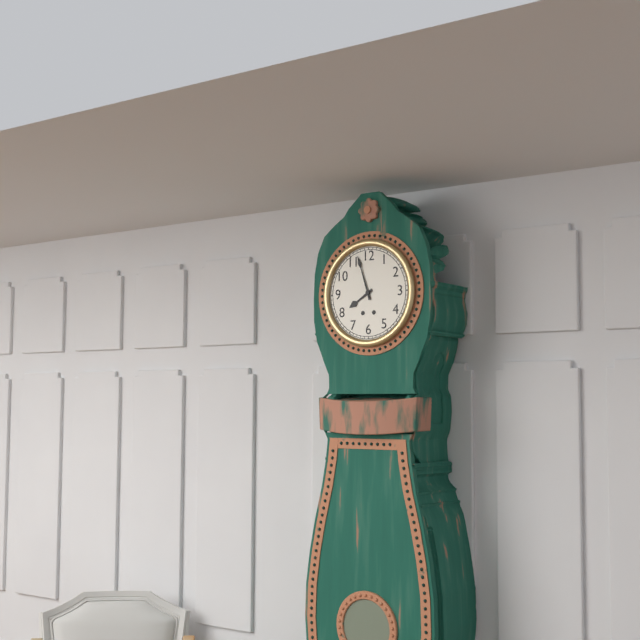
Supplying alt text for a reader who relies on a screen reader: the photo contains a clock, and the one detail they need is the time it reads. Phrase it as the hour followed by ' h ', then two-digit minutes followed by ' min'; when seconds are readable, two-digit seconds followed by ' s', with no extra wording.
7 h 57 min
